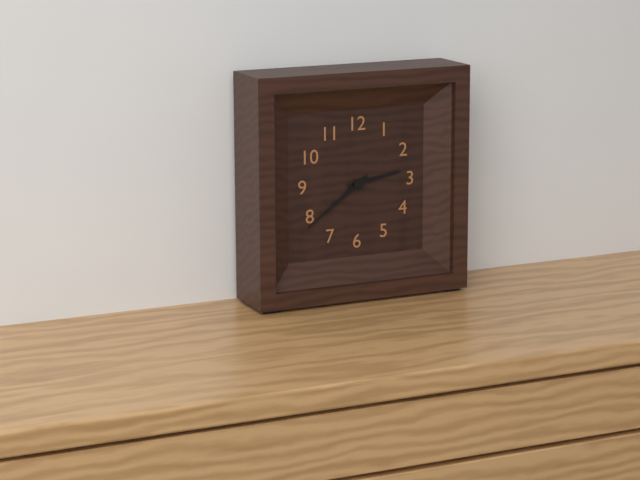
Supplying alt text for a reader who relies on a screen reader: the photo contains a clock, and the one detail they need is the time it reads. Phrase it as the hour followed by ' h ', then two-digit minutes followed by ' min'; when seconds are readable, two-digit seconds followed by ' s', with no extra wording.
2 h 39 min
